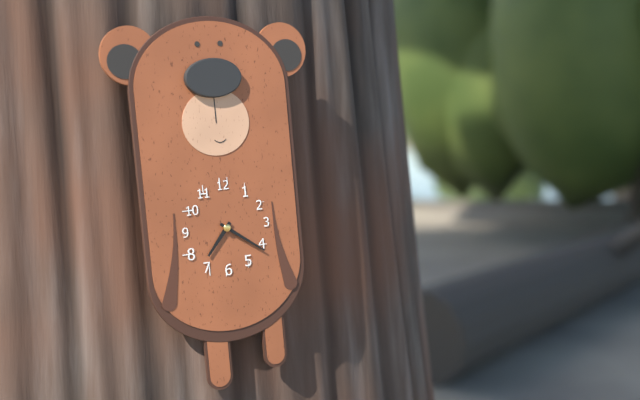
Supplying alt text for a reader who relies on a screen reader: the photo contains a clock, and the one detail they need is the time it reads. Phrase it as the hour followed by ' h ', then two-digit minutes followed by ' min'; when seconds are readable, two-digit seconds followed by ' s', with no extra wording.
7 h 21 min
